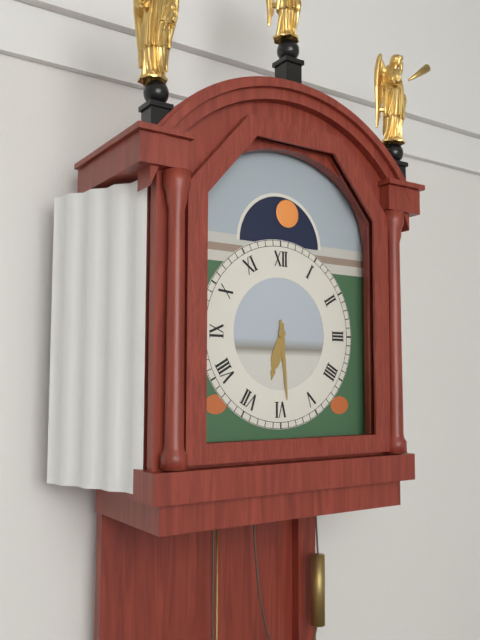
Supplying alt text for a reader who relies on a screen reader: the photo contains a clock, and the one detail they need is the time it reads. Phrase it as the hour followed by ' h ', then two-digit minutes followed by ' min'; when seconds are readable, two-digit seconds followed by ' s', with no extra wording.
6 h 29 min
